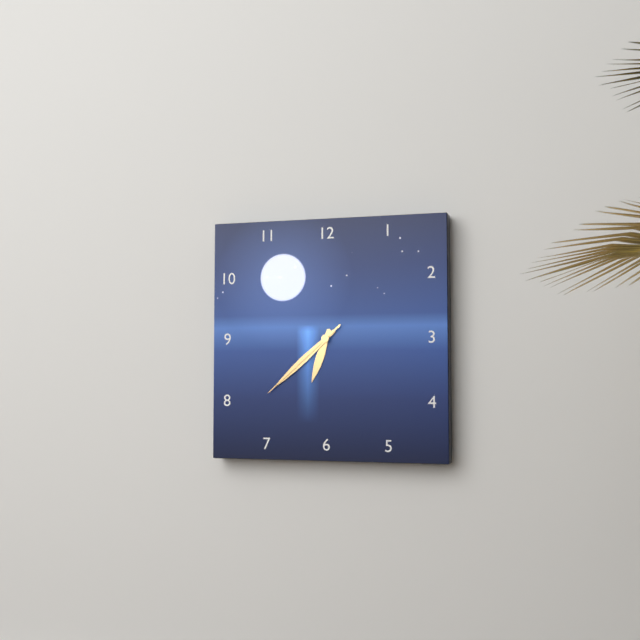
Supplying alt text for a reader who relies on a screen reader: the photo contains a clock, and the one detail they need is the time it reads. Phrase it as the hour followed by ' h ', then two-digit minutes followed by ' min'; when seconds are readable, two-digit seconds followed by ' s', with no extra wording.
6 h 38 min 38 s
